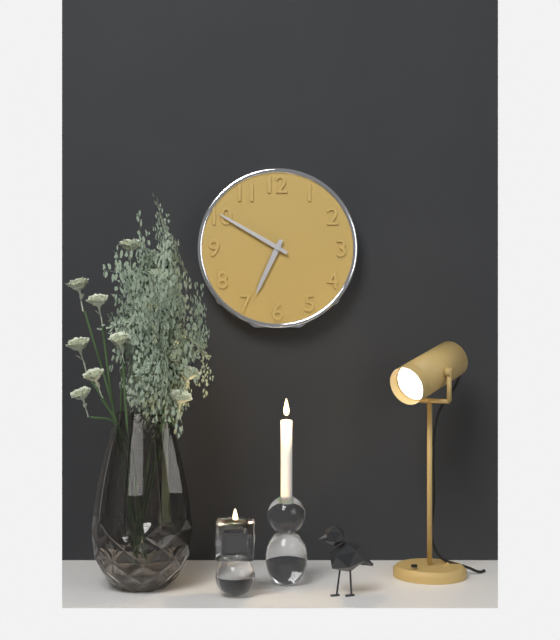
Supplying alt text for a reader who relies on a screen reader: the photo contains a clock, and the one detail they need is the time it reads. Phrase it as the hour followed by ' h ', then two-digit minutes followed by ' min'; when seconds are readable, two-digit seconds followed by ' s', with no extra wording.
6 h 50 min
